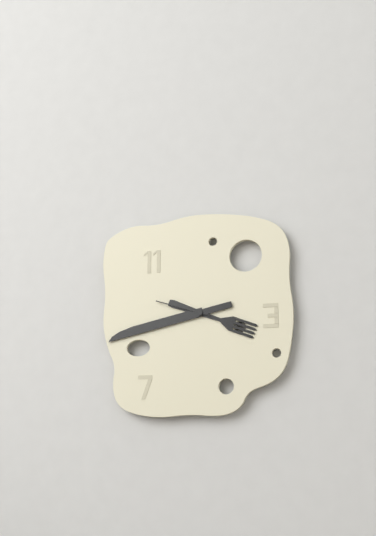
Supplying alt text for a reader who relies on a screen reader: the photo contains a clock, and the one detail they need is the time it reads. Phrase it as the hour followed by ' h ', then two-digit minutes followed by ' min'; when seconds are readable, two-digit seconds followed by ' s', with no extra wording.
3 h 43 min 48 s
